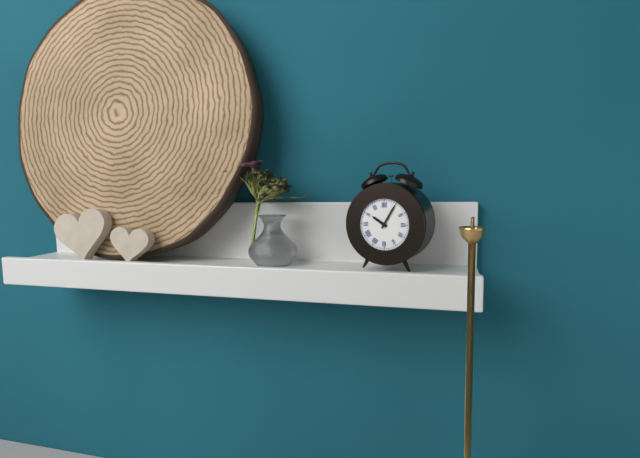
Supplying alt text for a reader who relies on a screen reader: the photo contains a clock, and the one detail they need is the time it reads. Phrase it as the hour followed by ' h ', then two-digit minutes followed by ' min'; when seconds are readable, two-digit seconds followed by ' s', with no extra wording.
10 h 05 min
